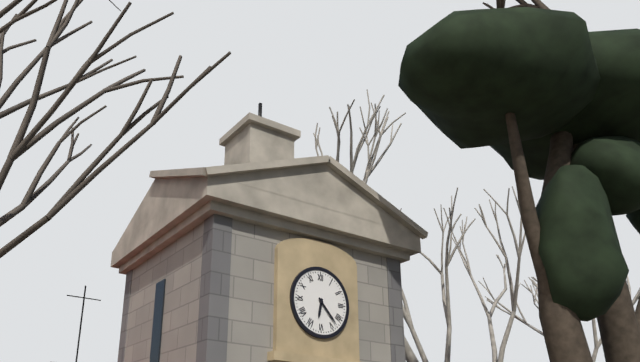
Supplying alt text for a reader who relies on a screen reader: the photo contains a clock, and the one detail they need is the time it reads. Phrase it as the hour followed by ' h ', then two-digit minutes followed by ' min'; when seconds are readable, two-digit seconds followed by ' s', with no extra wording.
6 h 23 min
